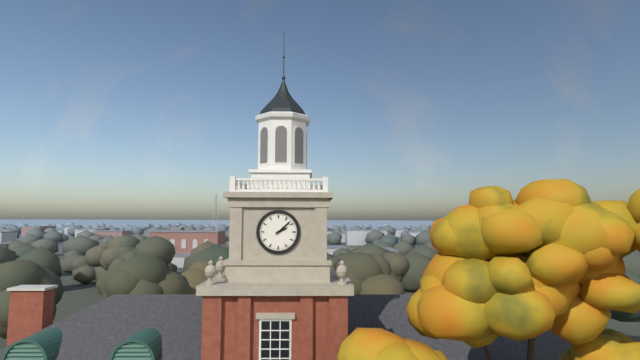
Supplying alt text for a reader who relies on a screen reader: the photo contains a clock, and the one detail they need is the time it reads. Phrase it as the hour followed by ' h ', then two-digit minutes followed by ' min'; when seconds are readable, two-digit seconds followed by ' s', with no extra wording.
2 h 08 min
